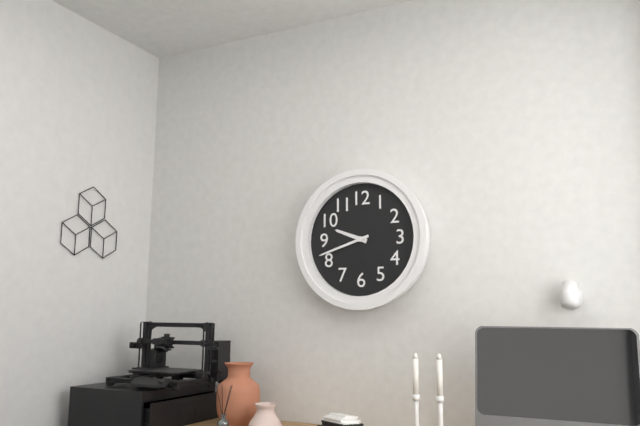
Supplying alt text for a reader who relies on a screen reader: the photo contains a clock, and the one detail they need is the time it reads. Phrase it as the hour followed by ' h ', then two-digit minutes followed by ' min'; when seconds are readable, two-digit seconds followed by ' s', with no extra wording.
9 h 42 min
